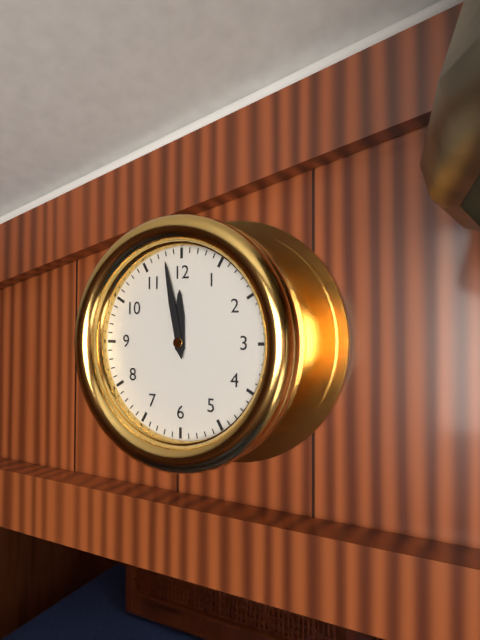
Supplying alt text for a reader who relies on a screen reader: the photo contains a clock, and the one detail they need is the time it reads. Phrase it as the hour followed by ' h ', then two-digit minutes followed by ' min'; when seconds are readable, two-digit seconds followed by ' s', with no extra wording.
11 h 58 min
